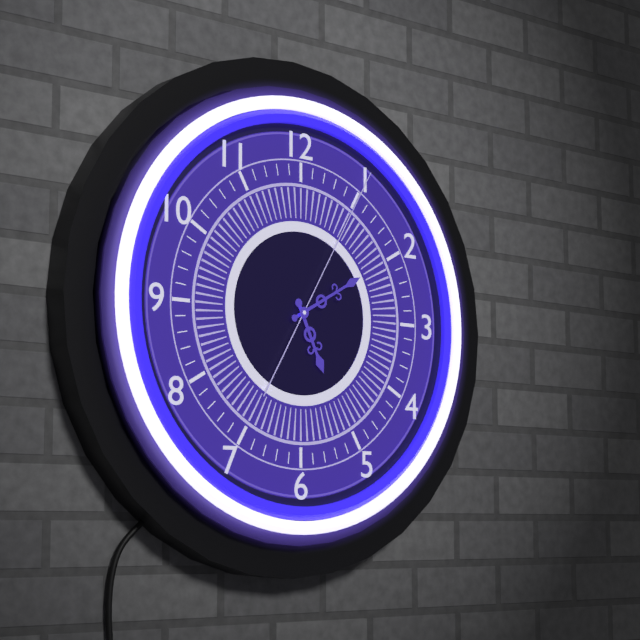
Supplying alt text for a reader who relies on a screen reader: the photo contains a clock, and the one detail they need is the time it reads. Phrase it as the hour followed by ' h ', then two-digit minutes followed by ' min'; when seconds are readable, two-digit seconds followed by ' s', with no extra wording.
5 h 10 min 05 s
